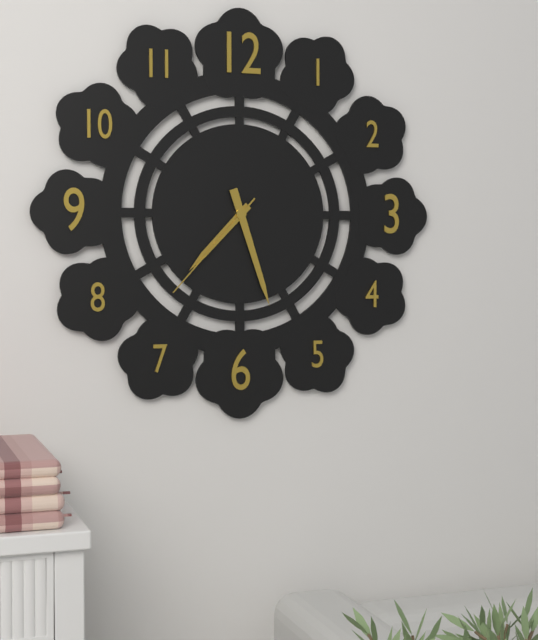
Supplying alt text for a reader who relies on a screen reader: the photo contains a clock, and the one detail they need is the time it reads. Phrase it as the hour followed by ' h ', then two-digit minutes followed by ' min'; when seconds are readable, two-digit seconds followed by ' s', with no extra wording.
7 h 27 min 37 s
